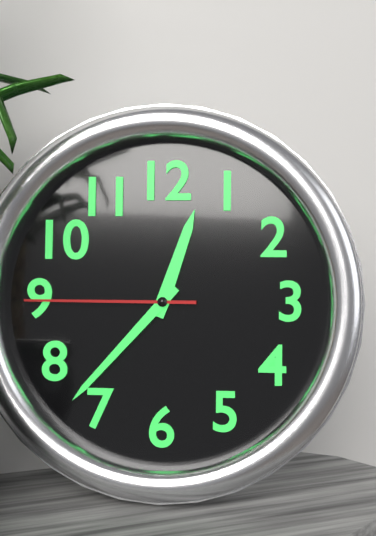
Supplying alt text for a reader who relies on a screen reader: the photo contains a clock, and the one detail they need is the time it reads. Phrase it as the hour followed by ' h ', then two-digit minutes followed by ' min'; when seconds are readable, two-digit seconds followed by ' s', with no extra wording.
12 h 37 min 45 s
